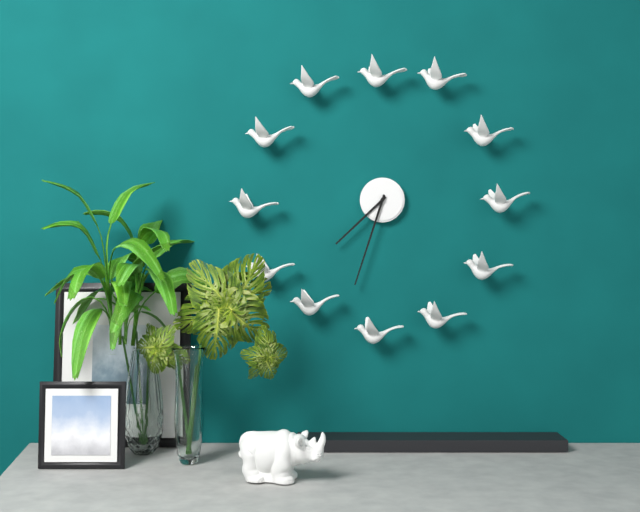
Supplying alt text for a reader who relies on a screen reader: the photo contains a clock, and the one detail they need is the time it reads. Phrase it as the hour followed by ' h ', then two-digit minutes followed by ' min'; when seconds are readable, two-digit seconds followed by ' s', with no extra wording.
7 h 33 min
